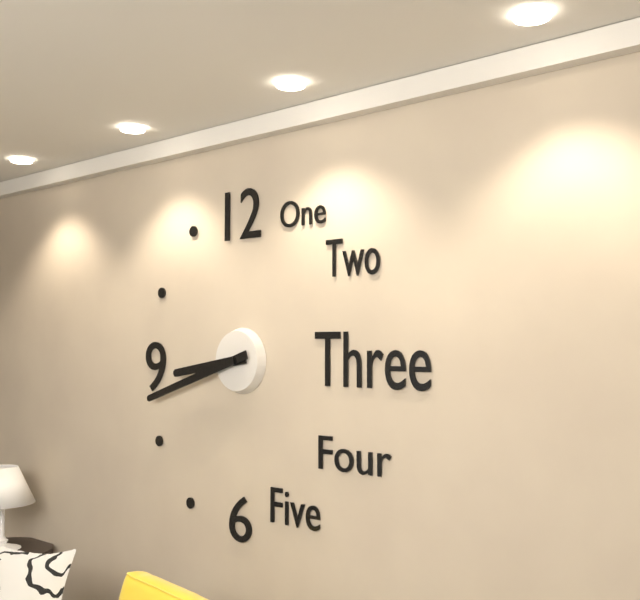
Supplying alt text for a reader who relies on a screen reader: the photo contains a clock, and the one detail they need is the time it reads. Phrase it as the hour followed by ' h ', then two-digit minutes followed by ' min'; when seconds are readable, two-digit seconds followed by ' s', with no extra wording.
8 h 42 min
